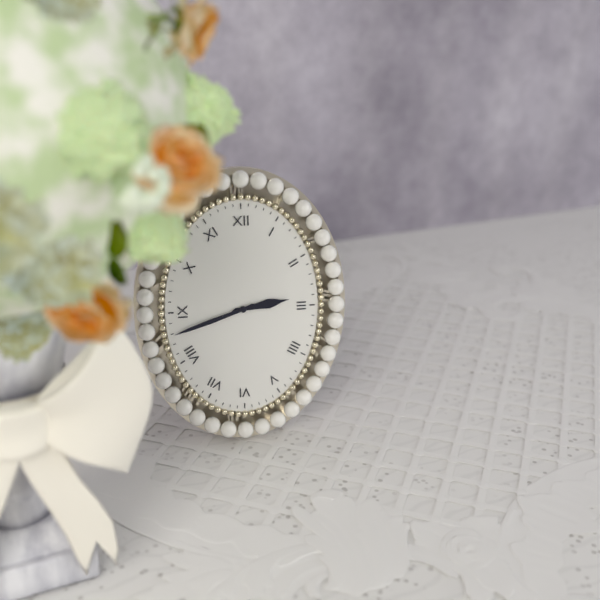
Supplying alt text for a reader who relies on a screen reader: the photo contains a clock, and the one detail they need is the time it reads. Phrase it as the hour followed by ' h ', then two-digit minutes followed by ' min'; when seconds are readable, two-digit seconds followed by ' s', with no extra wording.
2 h 42 min
